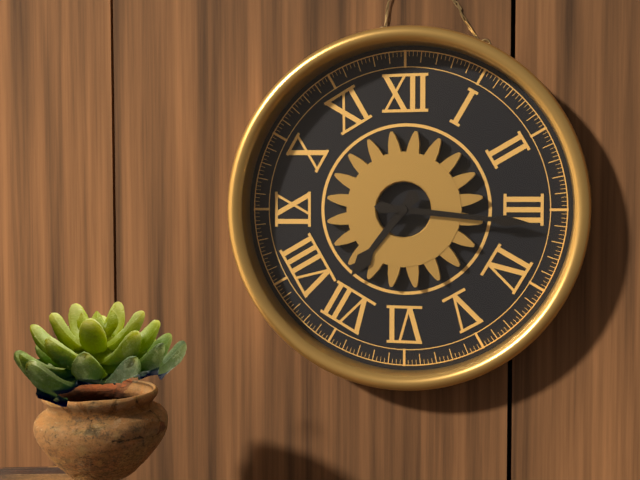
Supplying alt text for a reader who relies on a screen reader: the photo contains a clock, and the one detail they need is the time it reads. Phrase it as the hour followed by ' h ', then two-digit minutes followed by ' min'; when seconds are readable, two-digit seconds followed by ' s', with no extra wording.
7 h 16 min
